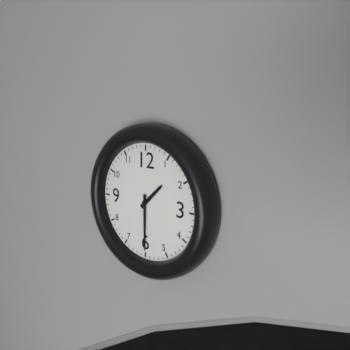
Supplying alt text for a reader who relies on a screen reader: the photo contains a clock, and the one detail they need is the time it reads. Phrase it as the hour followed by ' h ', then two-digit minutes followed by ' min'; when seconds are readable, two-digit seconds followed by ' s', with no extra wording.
1 h 30 min
